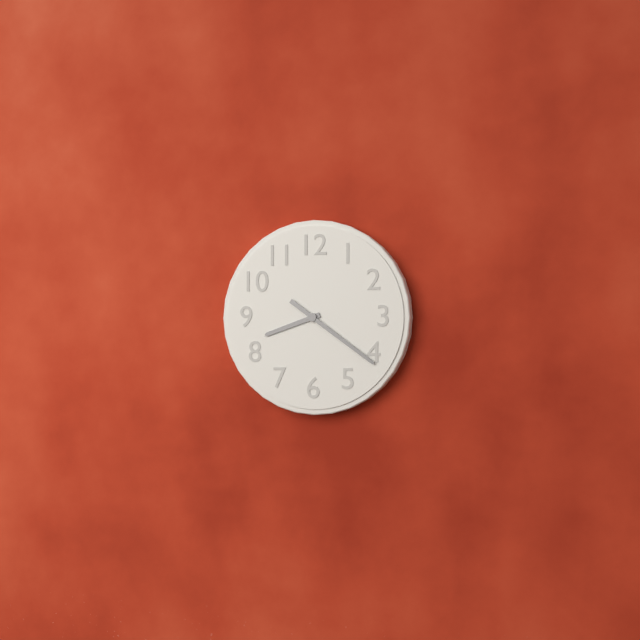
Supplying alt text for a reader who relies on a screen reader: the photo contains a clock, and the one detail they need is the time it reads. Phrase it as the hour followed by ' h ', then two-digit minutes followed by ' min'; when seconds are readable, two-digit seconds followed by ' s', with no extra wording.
8 h 21 min
